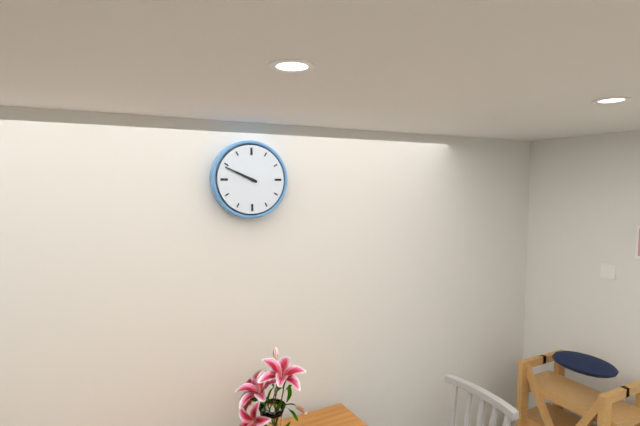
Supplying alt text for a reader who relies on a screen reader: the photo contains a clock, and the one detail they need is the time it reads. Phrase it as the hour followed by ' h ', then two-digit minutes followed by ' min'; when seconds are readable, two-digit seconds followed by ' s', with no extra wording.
9 h 49 min
